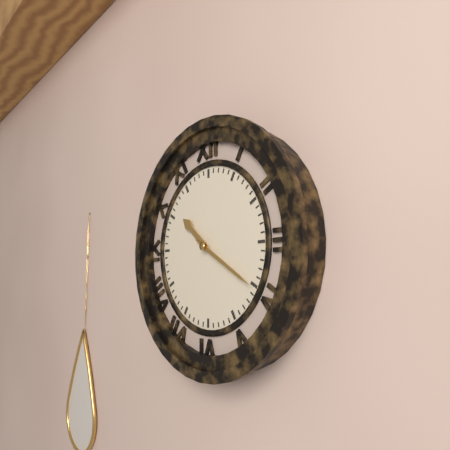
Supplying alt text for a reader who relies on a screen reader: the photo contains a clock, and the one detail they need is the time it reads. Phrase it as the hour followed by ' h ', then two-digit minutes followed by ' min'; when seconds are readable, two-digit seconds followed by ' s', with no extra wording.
10 h 20 min
